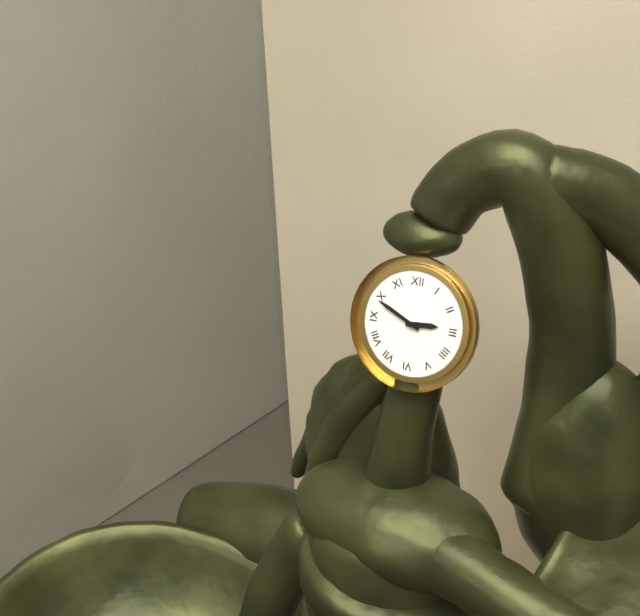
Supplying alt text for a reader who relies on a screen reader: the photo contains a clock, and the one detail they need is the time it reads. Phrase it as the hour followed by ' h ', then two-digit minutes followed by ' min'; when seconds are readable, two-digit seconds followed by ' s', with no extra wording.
2 h 49 min
